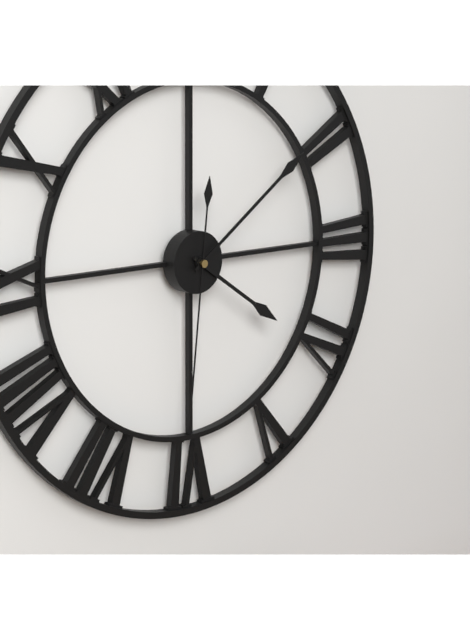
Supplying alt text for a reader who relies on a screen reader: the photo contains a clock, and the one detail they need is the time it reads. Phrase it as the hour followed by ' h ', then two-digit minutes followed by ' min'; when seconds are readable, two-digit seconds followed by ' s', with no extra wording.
4 h 09 min 31 s
